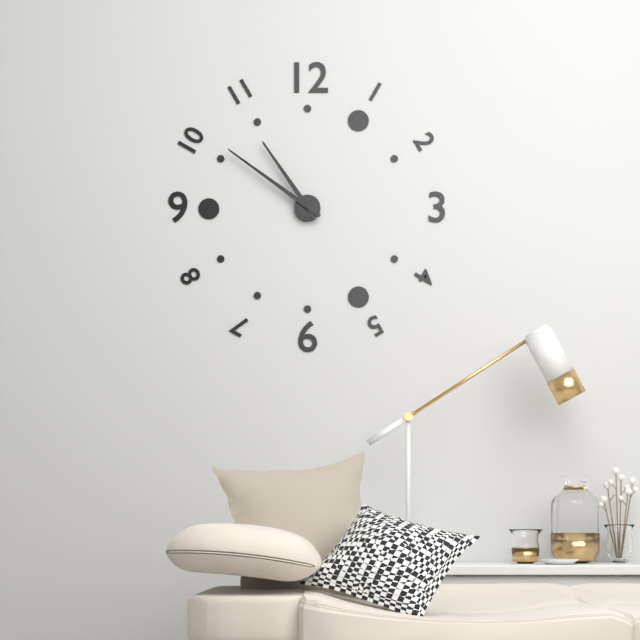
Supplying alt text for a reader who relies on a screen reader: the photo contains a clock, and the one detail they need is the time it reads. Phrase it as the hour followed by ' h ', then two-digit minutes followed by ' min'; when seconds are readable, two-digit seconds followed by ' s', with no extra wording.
10 h 51 min
